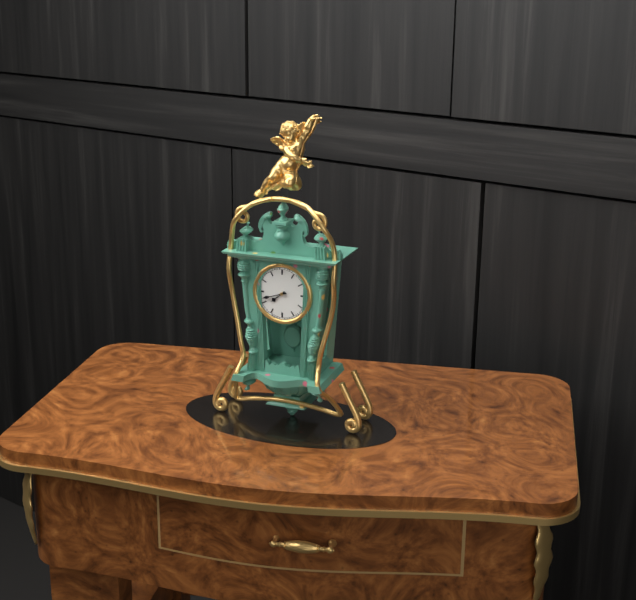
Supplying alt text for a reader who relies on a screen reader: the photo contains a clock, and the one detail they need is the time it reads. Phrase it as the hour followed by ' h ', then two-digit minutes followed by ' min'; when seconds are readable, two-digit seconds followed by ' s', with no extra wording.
7 h 42 min
